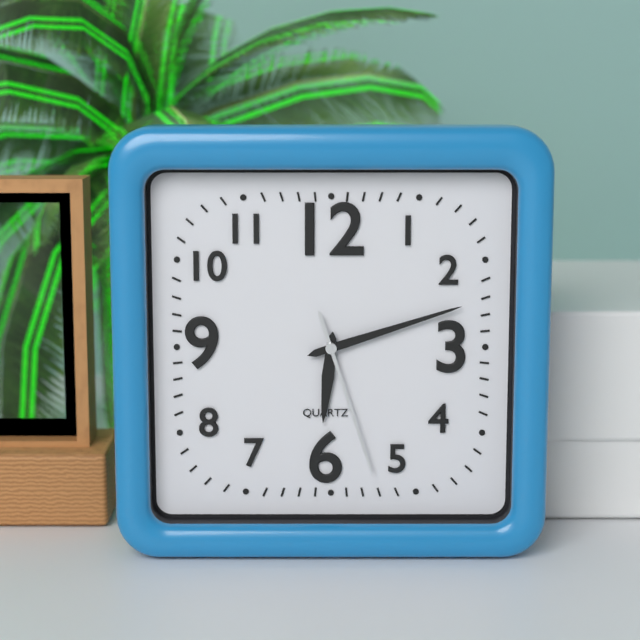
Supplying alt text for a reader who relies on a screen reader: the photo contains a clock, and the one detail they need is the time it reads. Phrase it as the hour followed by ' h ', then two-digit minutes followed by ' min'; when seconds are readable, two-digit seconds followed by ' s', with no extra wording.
6 h 12 min 27 s
